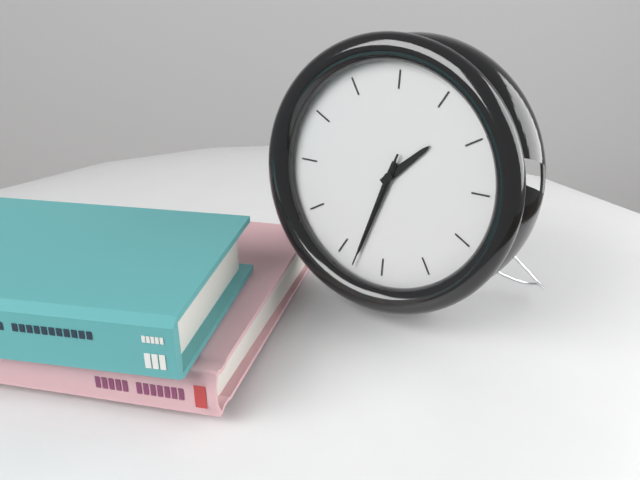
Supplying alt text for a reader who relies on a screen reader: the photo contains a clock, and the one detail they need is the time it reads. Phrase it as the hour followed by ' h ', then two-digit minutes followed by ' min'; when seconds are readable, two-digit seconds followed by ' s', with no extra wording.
1 h 33 min 33 s
